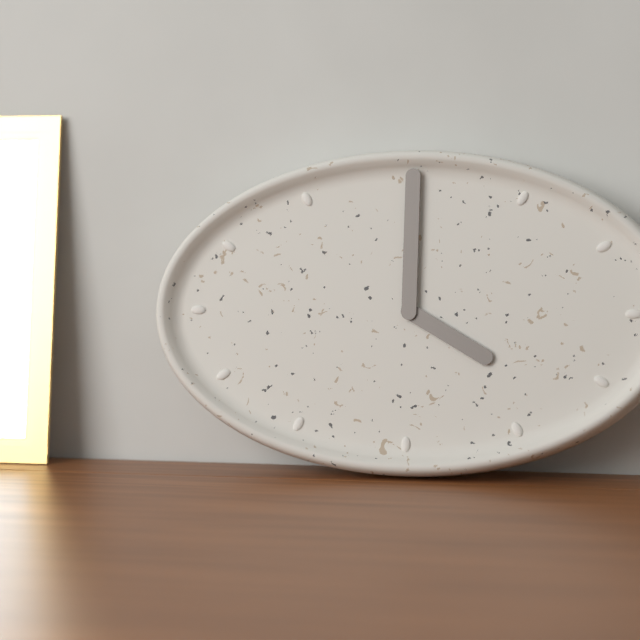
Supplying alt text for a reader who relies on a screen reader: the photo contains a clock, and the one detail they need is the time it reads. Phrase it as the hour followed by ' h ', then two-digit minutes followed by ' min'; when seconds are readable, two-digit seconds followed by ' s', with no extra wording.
4 h 00 min
